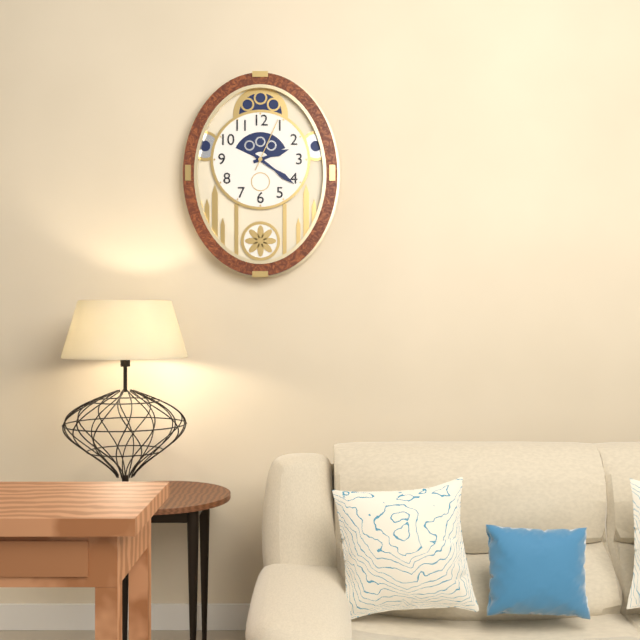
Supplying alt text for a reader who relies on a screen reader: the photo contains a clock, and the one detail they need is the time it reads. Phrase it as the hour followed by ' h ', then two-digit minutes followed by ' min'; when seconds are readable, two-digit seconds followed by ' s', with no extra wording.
2 h 21 min 04 s
